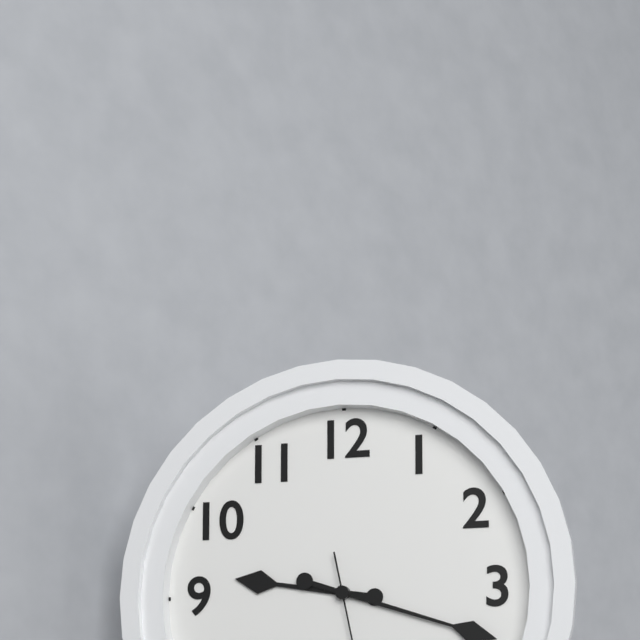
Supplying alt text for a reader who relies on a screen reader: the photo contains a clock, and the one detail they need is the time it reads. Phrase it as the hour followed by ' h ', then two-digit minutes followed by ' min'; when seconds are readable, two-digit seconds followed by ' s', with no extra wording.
9 h 18 min
